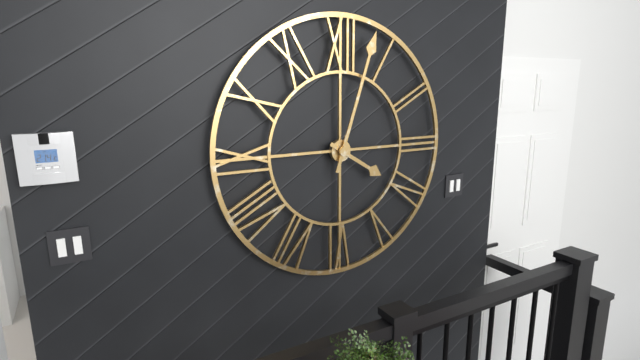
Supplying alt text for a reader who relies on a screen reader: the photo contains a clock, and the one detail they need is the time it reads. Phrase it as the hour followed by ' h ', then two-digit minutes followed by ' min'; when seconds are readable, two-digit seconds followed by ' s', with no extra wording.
4 h 03 min
